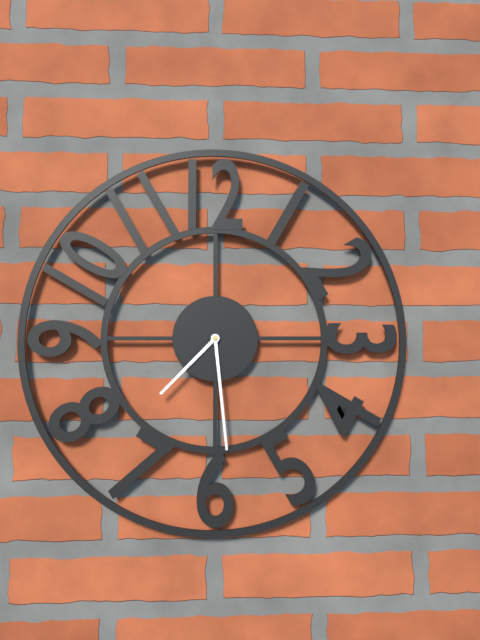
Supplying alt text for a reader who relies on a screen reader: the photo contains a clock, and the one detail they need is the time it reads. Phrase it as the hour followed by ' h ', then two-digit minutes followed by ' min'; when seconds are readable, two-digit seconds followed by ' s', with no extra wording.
7 h 29 min
